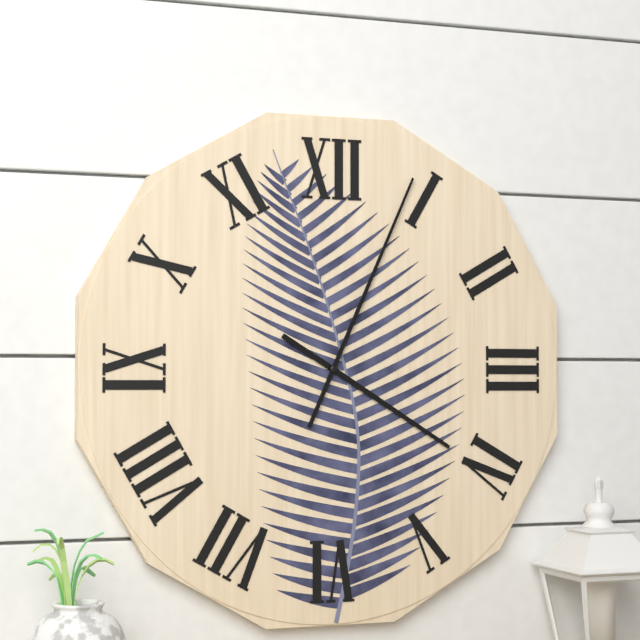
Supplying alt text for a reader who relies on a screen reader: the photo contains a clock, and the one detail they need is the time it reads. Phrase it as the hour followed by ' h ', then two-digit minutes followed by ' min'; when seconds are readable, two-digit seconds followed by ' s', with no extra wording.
4 h 04 min
